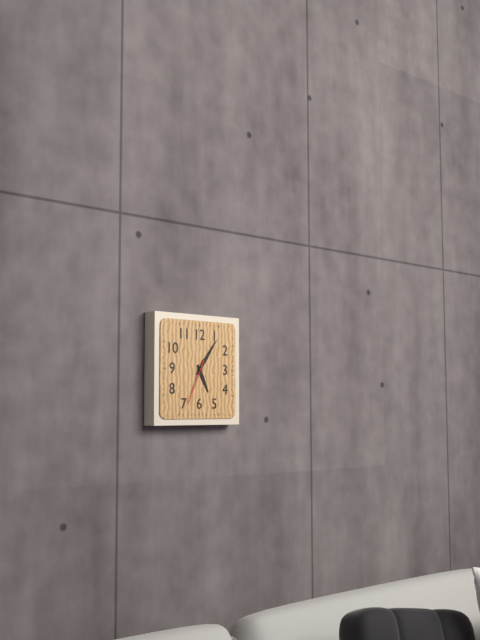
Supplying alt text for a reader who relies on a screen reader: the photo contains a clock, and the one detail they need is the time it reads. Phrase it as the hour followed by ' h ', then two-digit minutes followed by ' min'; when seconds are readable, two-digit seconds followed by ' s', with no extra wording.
5 h 06 min
